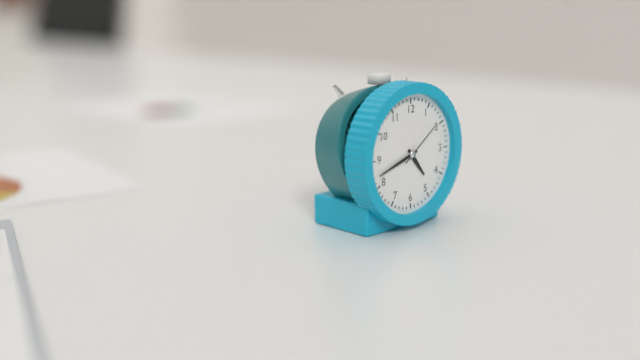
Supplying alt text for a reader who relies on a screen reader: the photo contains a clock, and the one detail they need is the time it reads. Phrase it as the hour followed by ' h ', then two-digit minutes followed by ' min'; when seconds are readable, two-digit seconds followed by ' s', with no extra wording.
4 h 42 min
